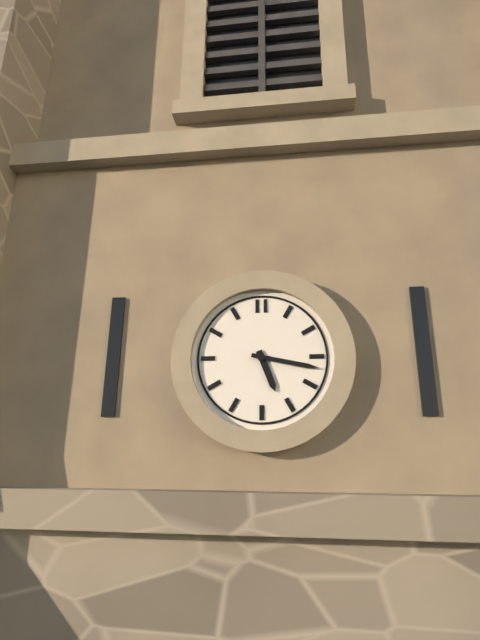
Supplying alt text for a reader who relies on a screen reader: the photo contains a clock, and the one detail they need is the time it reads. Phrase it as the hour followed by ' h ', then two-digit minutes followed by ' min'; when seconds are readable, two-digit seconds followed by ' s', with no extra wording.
5 h 17 min
